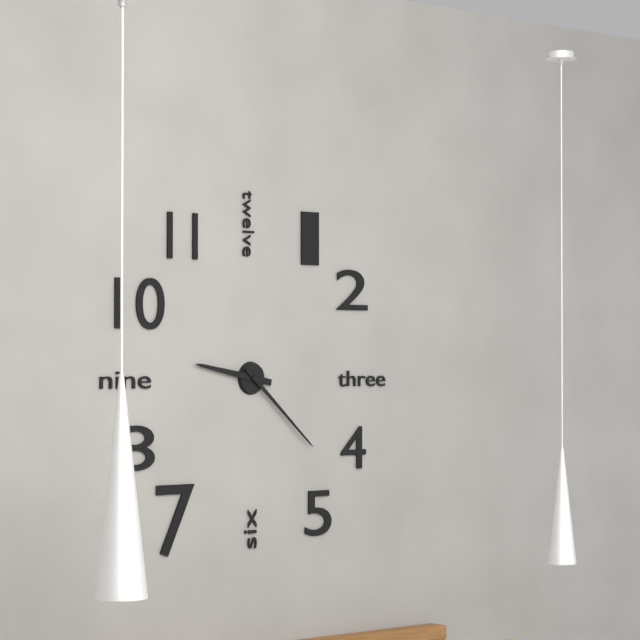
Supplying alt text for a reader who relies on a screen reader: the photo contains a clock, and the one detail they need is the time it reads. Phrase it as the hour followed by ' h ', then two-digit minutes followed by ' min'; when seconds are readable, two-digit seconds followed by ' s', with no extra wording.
9 h 22 min
